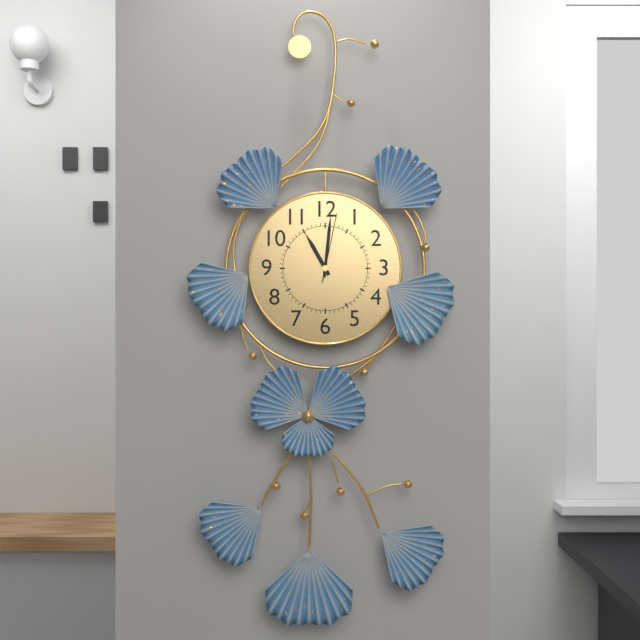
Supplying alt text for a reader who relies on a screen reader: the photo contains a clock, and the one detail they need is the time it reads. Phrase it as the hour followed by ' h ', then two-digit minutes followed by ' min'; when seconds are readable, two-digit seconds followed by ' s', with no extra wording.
11 h 01 min 02 s
